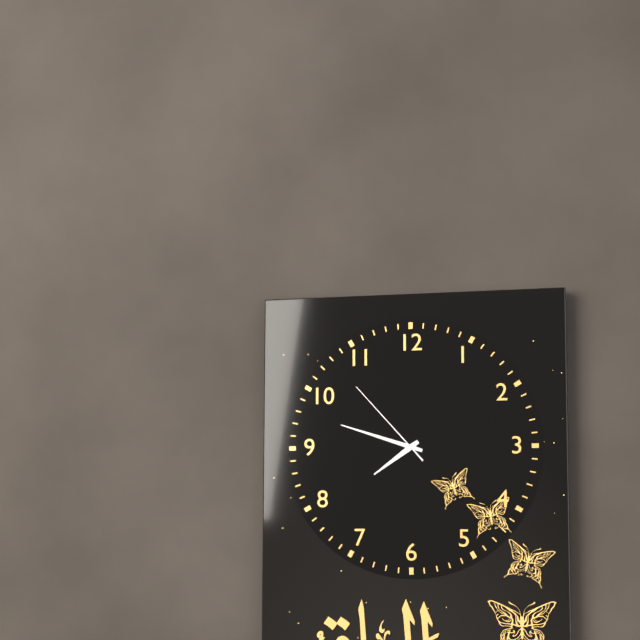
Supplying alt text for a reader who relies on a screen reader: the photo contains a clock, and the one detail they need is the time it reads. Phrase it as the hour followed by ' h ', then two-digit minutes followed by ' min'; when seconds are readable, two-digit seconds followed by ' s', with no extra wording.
7 h 48 min 53 s
